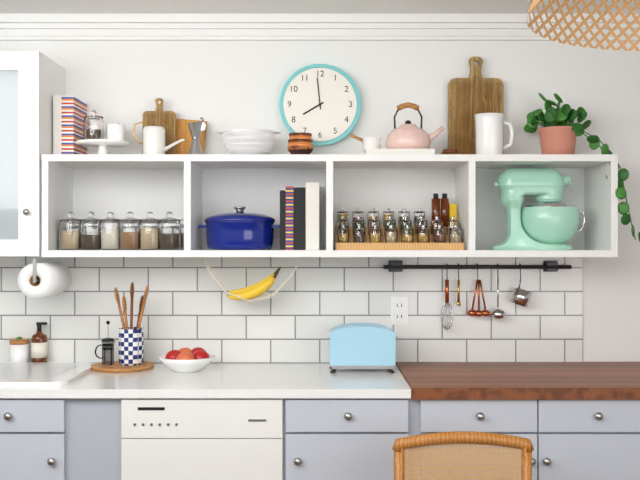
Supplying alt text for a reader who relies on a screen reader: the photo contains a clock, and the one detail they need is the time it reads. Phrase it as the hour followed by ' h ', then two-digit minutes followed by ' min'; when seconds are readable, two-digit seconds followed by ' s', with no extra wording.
7 h 59 min
